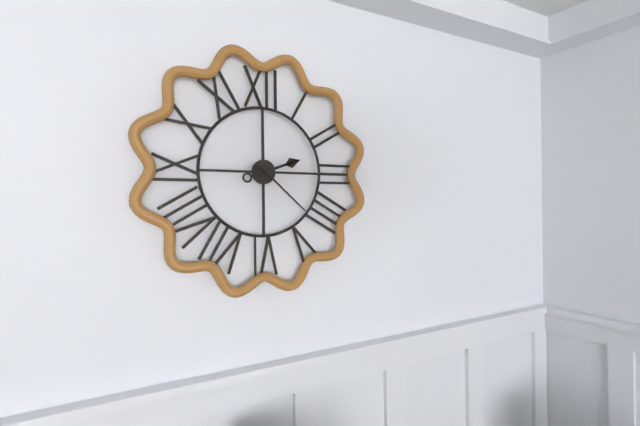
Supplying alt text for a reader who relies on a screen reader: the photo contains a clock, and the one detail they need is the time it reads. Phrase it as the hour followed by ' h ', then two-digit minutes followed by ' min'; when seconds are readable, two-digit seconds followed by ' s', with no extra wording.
2 h 22 min
